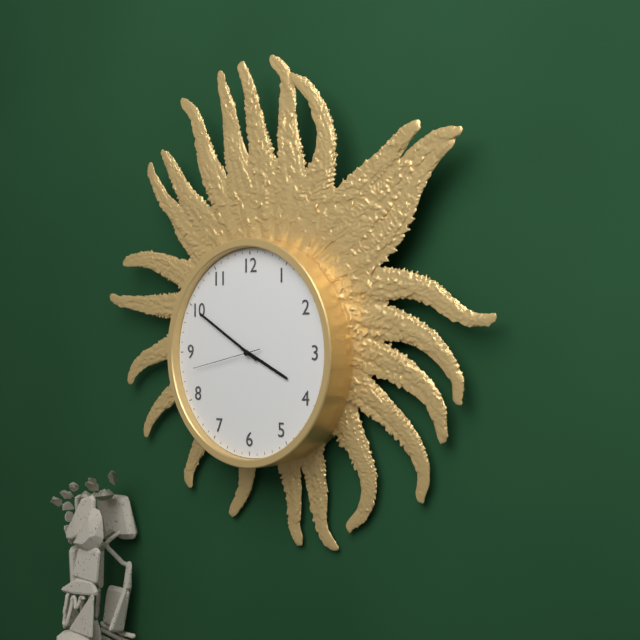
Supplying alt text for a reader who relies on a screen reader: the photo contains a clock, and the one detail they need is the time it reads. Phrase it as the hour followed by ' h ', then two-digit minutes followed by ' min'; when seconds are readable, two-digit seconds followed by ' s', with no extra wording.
3 h 50 min 43 s
